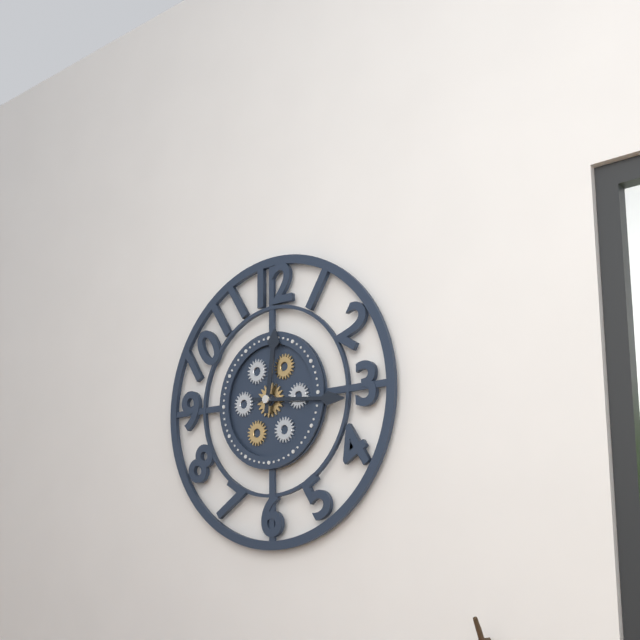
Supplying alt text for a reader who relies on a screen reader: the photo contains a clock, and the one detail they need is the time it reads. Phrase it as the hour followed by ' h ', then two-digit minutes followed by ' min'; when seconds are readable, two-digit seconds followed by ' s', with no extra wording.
12 h 16 min
